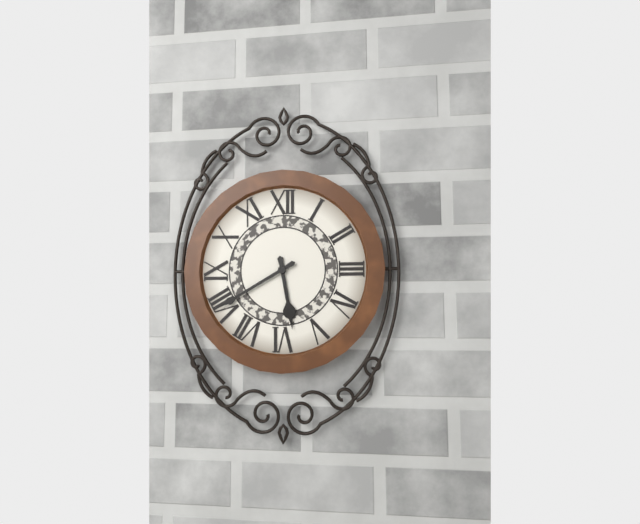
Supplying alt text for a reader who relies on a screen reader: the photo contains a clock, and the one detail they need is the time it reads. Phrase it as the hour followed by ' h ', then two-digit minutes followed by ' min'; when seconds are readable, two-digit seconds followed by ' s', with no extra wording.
5 h 40 min
